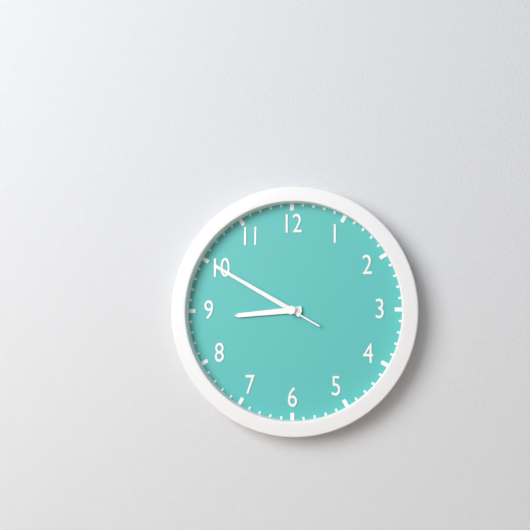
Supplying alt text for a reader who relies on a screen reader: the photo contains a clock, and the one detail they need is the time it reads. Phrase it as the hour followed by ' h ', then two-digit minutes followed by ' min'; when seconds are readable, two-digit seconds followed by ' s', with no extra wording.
8 h 50 min 50 s
